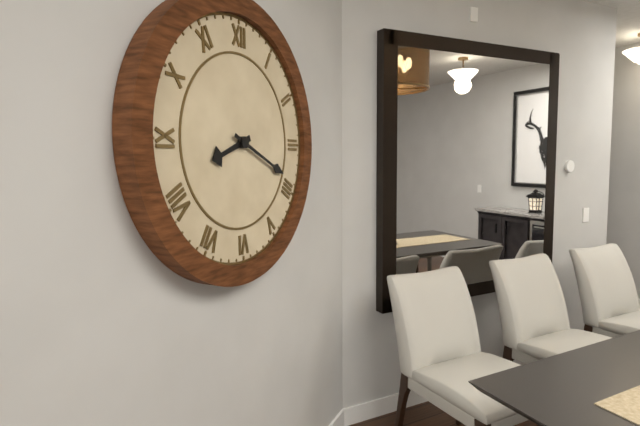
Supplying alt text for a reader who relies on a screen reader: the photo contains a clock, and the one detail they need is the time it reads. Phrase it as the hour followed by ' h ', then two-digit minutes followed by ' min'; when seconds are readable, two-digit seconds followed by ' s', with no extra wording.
8 h 19 min
